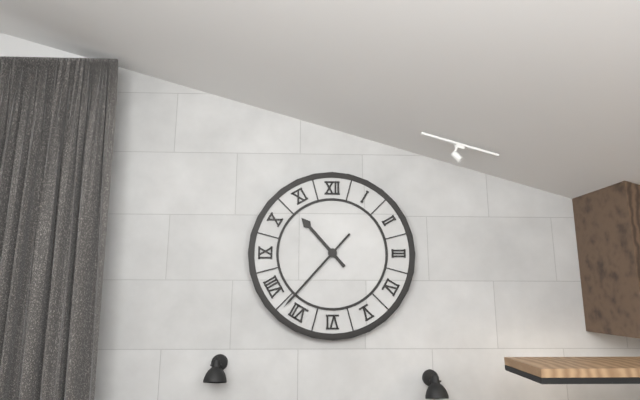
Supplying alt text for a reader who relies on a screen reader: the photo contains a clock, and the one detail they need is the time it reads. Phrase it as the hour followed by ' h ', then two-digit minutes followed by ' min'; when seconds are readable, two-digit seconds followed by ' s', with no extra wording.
10 h 37 min
